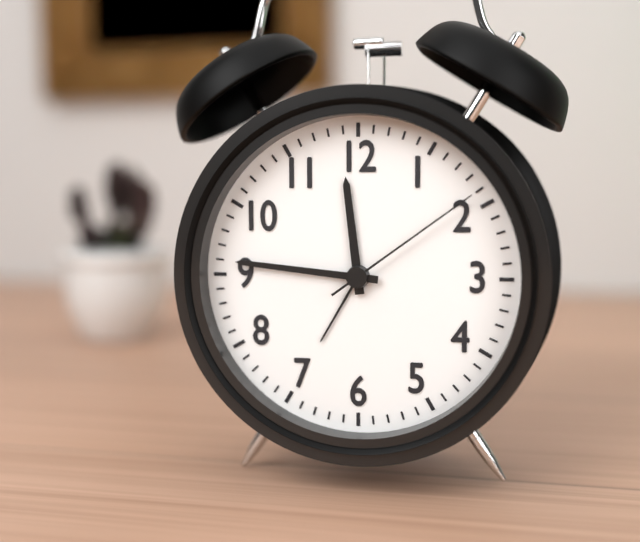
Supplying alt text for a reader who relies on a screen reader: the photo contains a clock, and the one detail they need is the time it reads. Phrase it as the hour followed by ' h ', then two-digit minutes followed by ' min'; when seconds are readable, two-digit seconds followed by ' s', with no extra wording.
11 h 46 min 09 s
